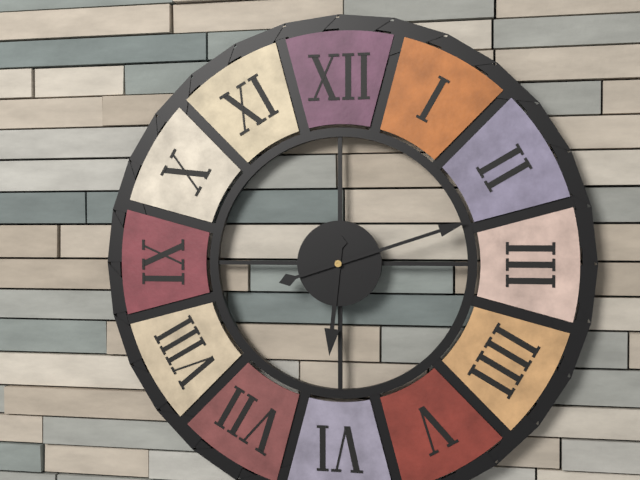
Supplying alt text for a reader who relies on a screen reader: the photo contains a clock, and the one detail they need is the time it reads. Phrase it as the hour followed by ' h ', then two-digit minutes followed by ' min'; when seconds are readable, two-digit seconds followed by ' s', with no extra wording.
6 h 12 min
